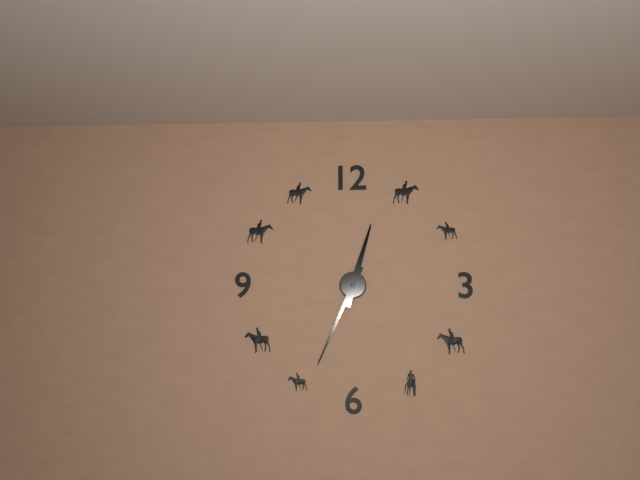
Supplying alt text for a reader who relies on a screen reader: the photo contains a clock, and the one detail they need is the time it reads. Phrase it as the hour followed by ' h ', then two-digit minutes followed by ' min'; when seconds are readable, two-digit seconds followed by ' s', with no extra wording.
12 h 34 min
